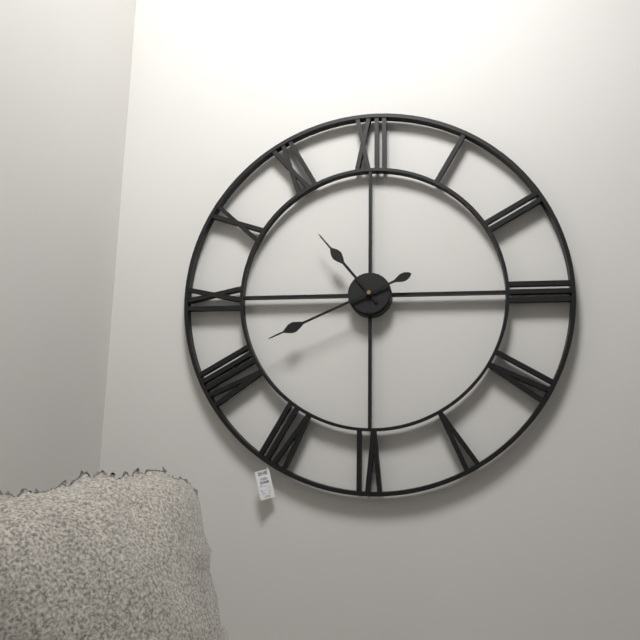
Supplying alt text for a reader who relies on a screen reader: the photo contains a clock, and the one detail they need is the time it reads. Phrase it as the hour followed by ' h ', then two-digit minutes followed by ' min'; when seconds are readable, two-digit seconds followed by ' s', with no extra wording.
10 h 41 min
